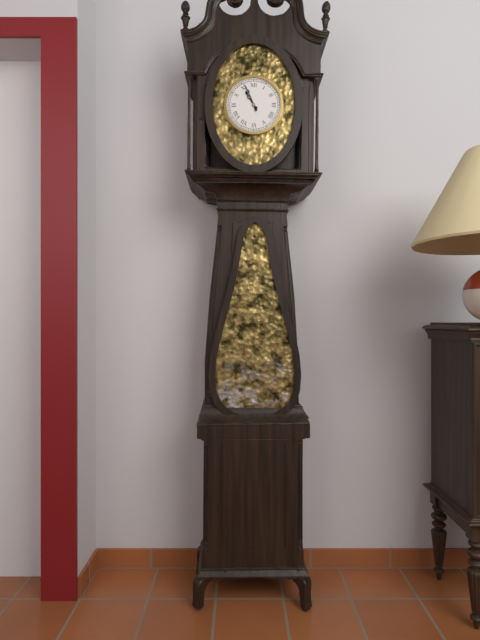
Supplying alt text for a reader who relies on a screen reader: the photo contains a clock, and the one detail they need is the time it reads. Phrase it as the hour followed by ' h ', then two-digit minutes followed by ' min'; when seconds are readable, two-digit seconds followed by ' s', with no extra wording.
10 h 56 min
